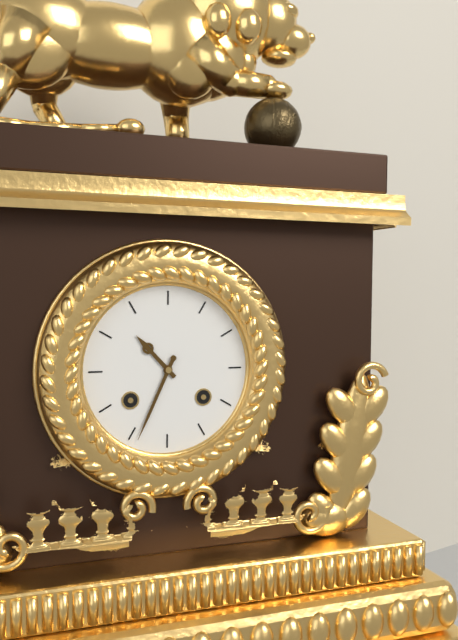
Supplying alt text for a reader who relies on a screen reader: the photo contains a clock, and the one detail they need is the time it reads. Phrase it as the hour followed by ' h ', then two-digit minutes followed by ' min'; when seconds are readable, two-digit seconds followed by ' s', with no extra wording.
10 h 34 min
